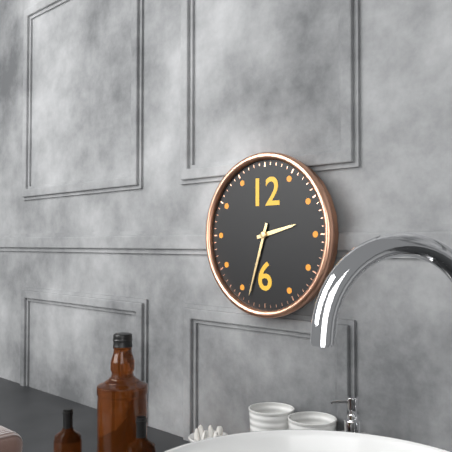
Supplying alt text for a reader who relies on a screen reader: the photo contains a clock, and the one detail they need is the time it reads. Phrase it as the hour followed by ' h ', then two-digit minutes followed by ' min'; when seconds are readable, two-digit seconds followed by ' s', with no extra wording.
2 h 33 min
